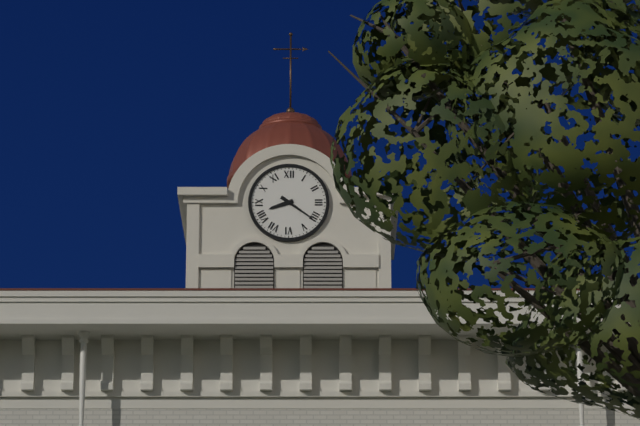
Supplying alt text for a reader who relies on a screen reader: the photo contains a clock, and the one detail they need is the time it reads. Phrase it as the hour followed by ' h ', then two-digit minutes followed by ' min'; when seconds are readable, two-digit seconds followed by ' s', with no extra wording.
8 h 21 min
